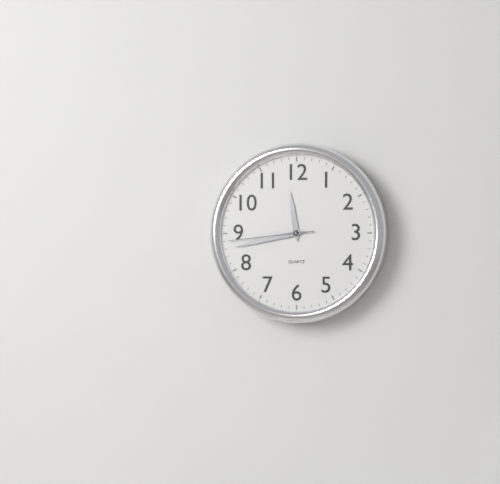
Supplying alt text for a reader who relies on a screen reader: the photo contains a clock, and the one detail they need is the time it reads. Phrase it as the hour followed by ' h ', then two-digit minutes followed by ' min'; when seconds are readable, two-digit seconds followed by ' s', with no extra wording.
11 h 43 min 44 s
